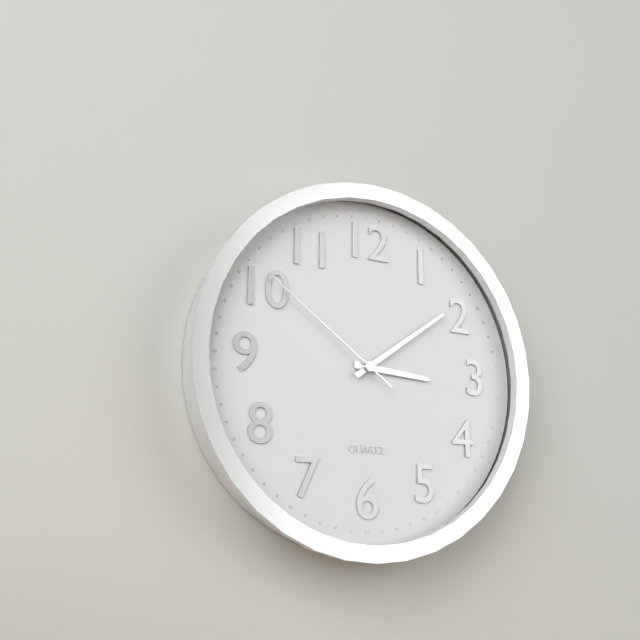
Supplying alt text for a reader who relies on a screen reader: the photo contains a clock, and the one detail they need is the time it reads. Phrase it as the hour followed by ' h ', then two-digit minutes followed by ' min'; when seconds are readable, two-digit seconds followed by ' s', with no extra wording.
3 h 09 min 51 s
